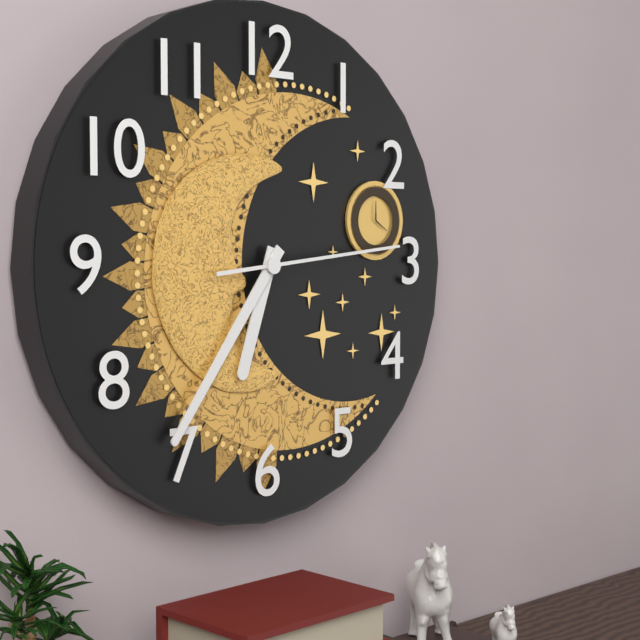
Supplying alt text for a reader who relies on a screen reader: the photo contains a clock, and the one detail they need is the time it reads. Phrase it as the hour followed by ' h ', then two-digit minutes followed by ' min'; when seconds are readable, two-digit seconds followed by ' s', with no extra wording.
6 h 36 min 14 s
